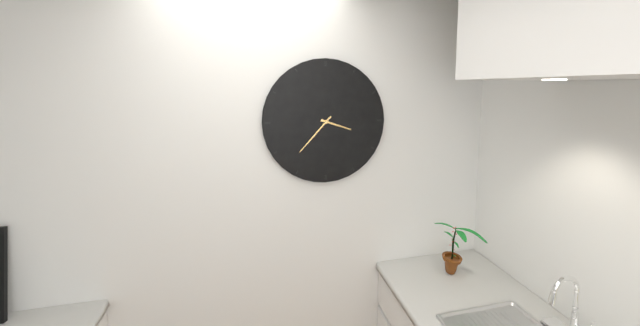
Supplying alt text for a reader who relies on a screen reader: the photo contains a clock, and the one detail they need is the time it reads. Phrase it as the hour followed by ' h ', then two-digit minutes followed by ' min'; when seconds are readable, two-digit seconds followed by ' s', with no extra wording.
3 h 37 min
